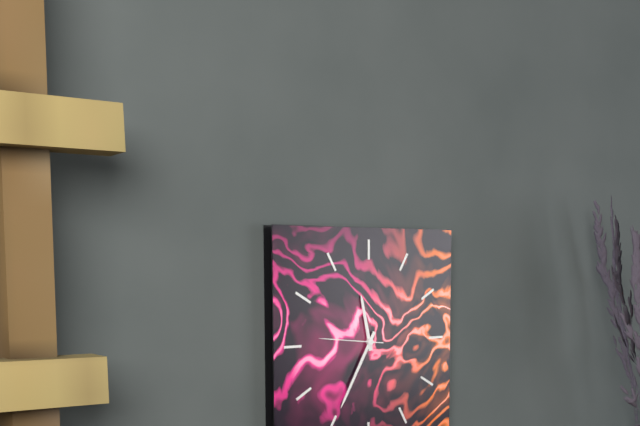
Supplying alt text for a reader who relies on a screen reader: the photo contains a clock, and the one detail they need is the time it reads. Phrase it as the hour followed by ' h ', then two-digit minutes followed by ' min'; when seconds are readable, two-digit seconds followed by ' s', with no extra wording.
11 h 35 min 46 s
